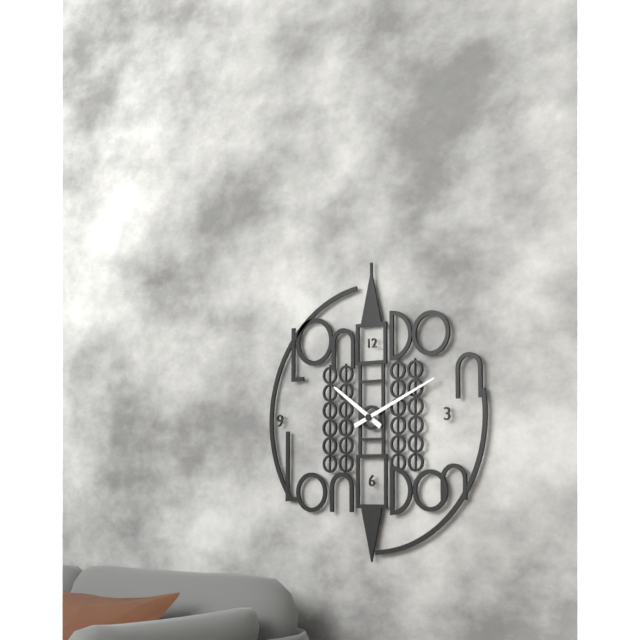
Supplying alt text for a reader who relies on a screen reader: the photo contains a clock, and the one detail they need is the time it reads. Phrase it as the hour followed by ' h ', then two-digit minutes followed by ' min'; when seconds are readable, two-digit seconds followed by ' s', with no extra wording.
10 h 11 min
